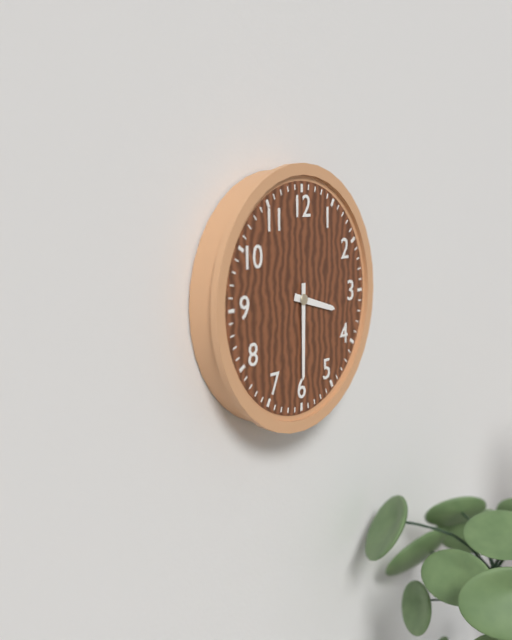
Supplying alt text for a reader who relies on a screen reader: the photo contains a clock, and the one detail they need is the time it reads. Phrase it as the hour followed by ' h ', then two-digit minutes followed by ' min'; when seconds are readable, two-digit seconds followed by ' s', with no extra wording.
3 h 30 min
